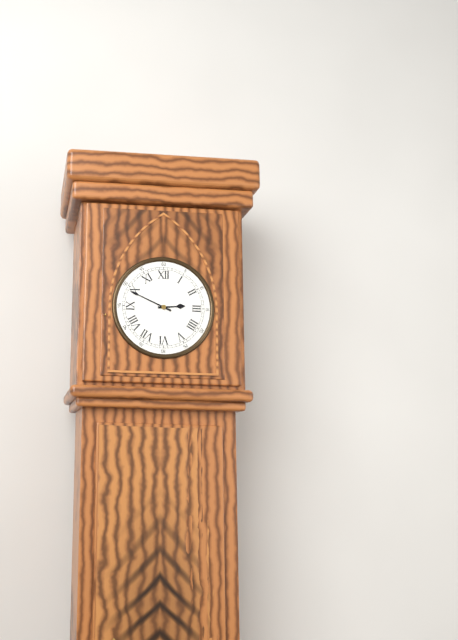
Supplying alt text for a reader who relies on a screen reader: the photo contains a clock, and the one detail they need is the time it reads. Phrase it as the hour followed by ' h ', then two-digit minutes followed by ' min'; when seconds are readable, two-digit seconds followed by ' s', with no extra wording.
2 h 49 min
